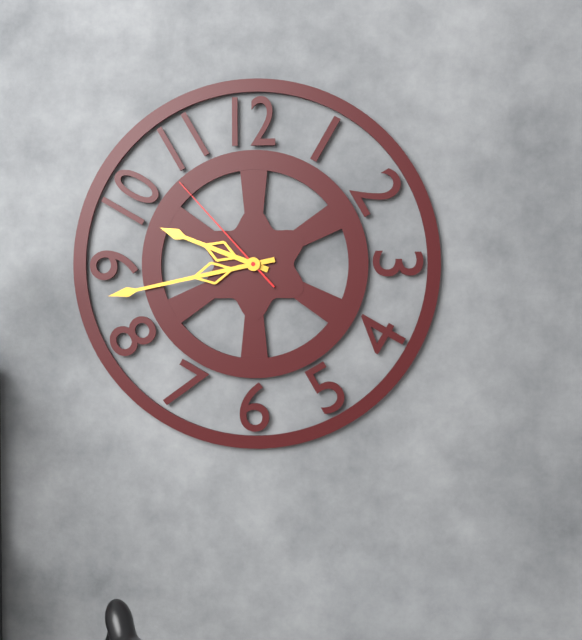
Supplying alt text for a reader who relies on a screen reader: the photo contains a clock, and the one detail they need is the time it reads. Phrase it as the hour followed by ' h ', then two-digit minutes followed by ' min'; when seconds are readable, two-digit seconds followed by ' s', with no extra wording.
9 h 43 min 53 s
